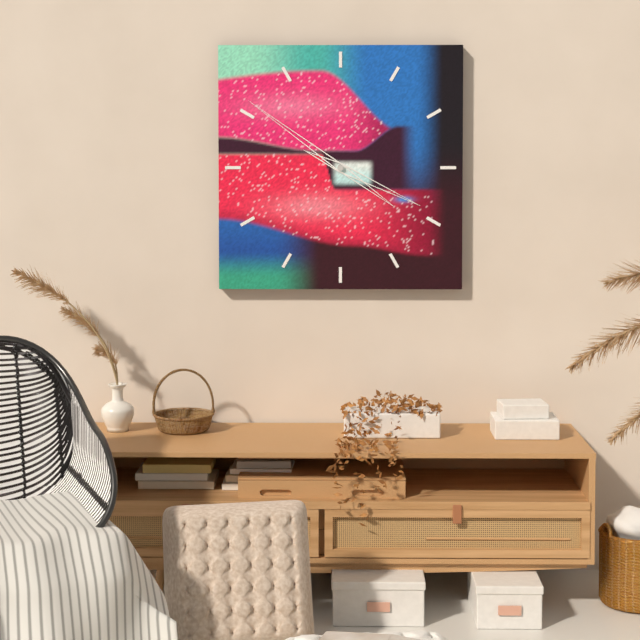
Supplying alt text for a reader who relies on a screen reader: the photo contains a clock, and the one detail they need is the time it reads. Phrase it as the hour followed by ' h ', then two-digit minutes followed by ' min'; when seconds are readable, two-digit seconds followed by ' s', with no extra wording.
3 h 51 min
